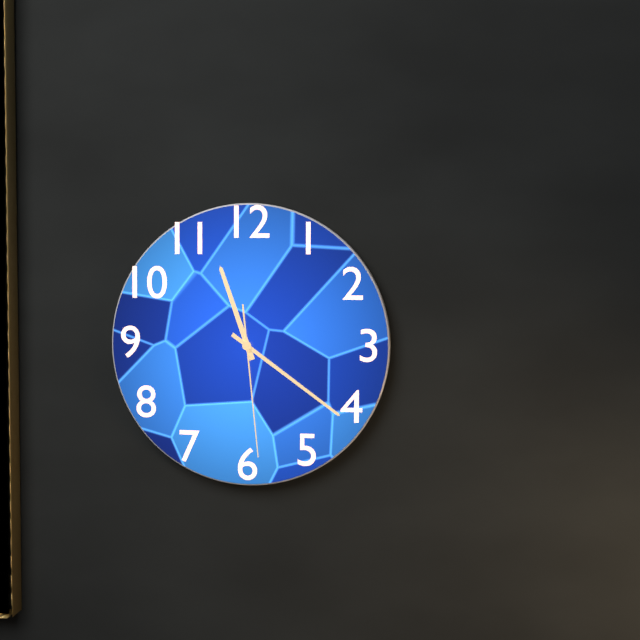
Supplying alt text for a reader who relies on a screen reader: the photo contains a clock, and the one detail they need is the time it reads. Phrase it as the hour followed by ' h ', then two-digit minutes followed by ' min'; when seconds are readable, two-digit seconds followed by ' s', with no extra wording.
11 h 21 min 29 s
